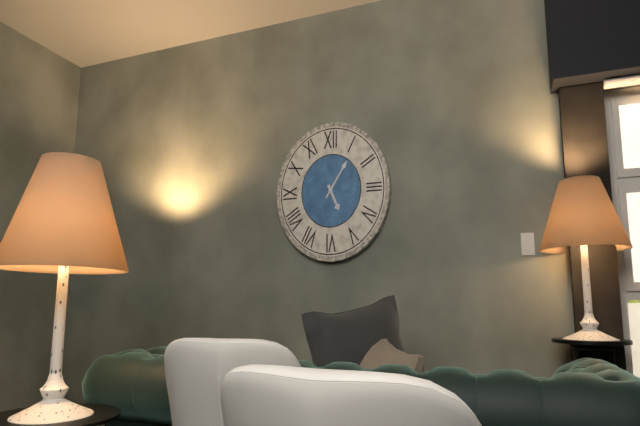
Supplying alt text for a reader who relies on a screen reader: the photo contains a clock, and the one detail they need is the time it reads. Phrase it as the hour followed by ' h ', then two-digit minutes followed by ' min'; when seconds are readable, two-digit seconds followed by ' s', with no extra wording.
5 h 06 min
